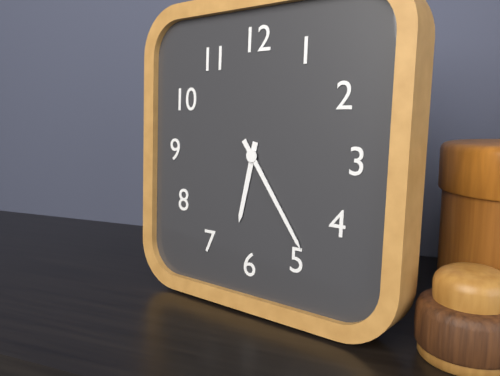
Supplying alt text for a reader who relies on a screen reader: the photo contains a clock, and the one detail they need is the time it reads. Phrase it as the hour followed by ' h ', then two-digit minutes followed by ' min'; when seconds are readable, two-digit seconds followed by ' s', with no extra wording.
6 h 24 min
